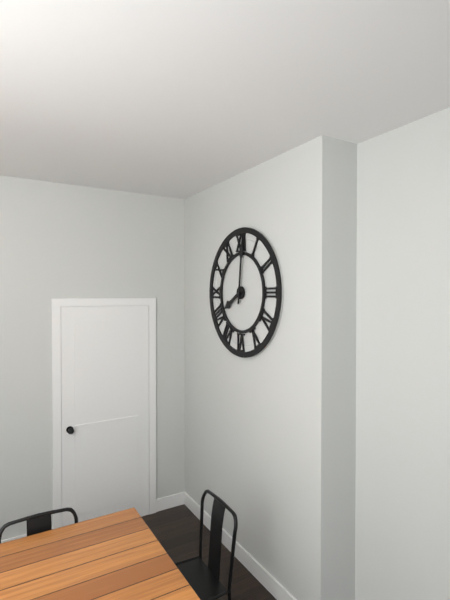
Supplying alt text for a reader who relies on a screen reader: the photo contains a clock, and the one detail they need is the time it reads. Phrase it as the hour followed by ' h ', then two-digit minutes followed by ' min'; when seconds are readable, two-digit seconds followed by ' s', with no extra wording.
8 h 01 min
